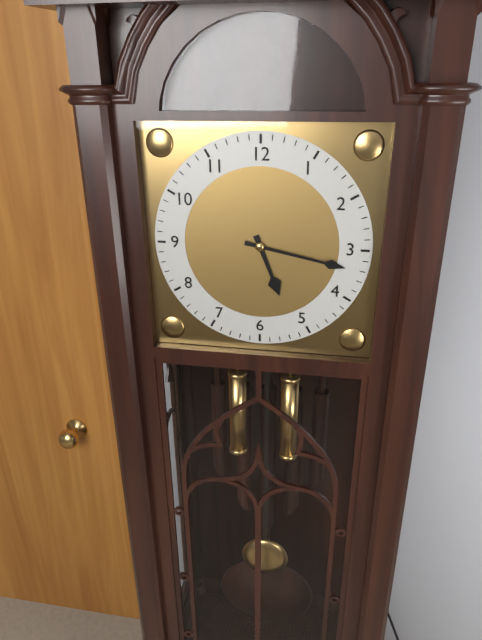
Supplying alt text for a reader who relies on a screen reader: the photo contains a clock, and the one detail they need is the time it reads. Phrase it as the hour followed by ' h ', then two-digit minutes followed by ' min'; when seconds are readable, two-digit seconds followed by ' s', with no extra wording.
5 h 17 min
